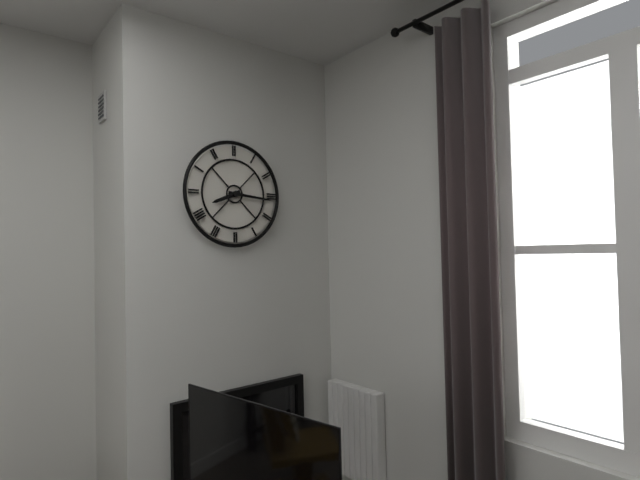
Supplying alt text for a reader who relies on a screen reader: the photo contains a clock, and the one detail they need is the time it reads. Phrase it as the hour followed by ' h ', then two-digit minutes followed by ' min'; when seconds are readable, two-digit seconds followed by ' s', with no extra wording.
8 h 16 min
